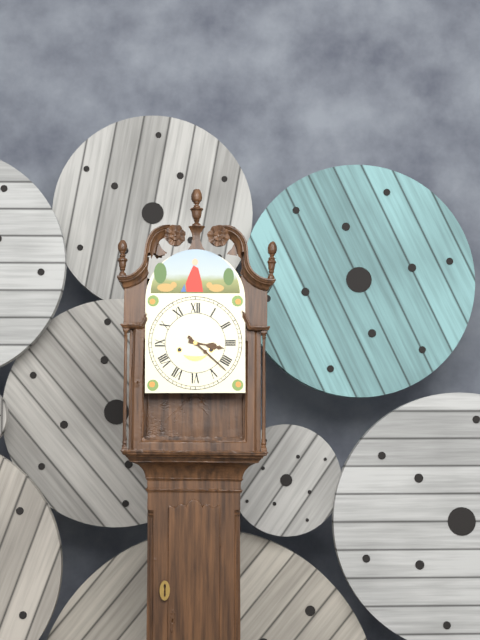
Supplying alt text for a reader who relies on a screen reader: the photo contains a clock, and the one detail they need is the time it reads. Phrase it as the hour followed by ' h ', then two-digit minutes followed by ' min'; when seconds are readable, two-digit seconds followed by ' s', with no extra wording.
3 h 22 min
